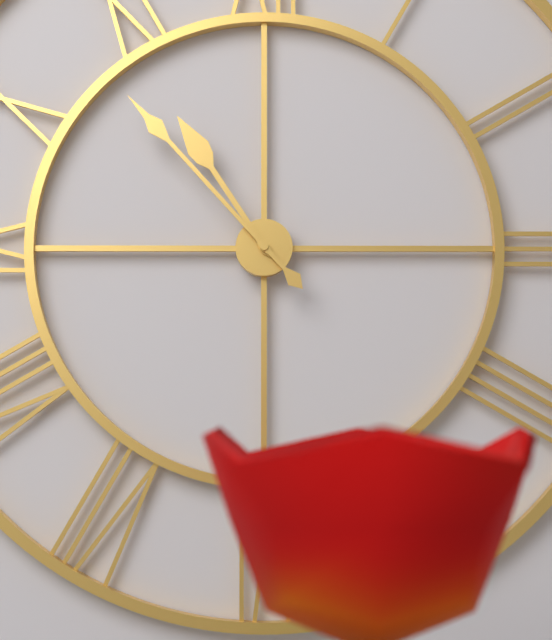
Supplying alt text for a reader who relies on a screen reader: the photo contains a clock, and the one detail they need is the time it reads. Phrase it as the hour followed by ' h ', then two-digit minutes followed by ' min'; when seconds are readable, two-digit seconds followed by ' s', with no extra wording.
10 h 53 min
